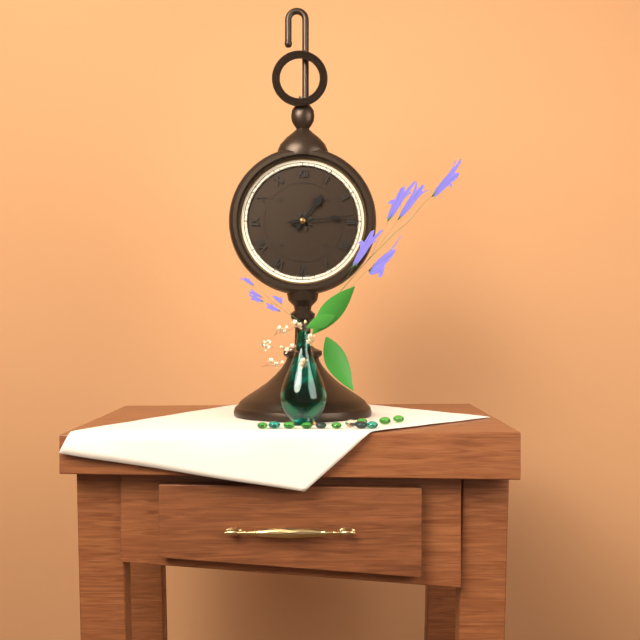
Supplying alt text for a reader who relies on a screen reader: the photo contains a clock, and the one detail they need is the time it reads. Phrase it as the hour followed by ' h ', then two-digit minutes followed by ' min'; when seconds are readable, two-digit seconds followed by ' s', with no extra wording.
1 h 14 min
